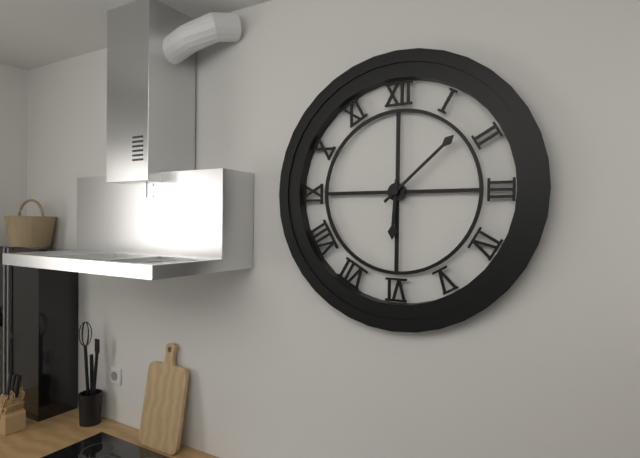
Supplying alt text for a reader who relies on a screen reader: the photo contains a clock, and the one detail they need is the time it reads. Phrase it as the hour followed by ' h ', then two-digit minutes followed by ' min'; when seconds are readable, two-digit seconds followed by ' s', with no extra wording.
6 h 08 min
